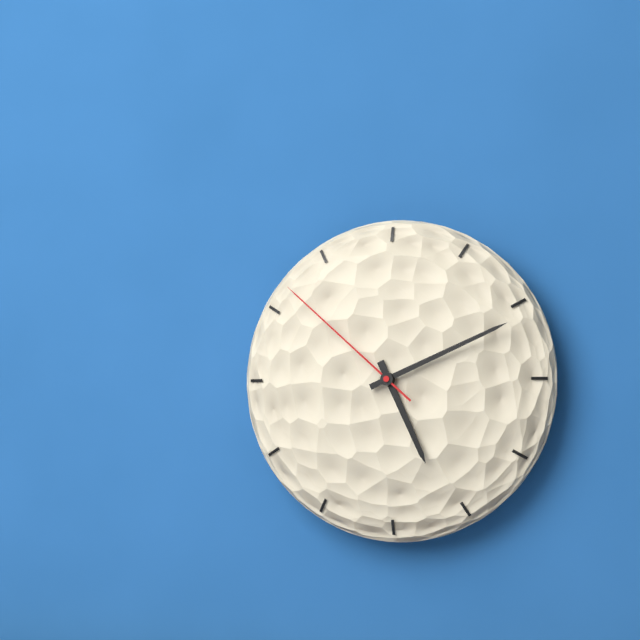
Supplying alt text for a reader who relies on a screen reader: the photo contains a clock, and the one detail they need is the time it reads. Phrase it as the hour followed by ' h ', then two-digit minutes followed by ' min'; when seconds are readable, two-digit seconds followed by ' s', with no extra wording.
5 h 11 min 52 s
